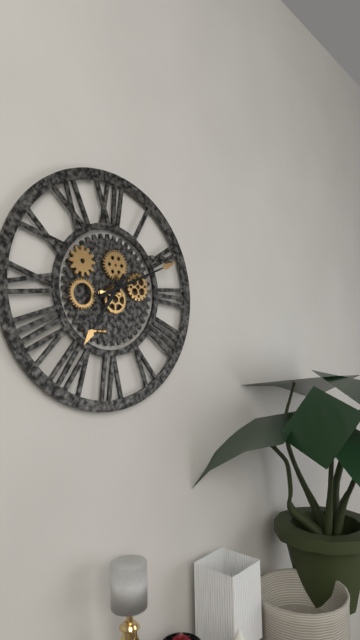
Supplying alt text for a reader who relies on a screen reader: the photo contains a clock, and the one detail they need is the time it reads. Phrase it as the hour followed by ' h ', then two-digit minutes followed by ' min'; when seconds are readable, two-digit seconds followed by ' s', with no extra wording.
7 h 11 min
